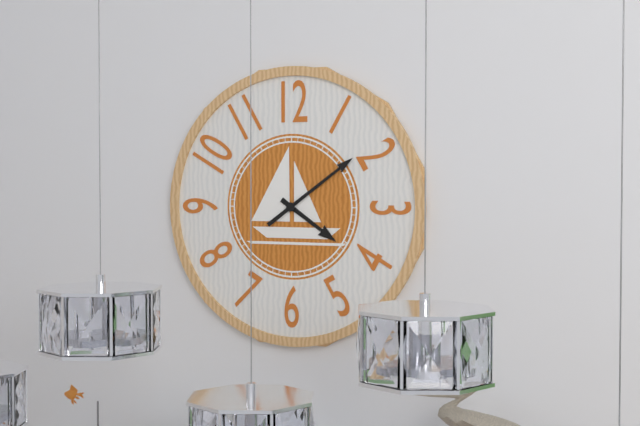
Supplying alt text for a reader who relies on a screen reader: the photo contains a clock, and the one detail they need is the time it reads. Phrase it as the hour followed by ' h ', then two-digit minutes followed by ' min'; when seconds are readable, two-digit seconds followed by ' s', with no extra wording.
4 h 09 min
